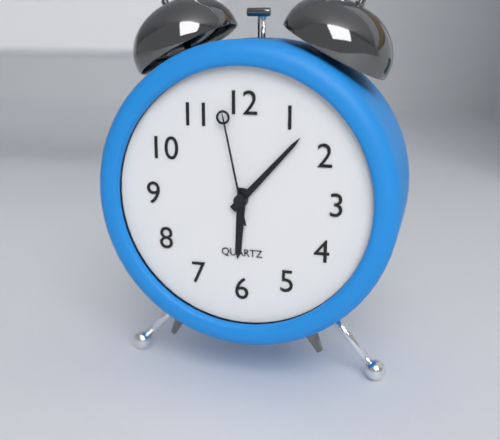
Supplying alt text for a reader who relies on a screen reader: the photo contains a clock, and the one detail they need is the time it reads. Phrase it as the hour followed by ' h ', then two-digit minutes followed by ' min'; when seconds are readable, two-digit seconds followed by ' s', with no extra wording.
6 h 07 min 58 s
